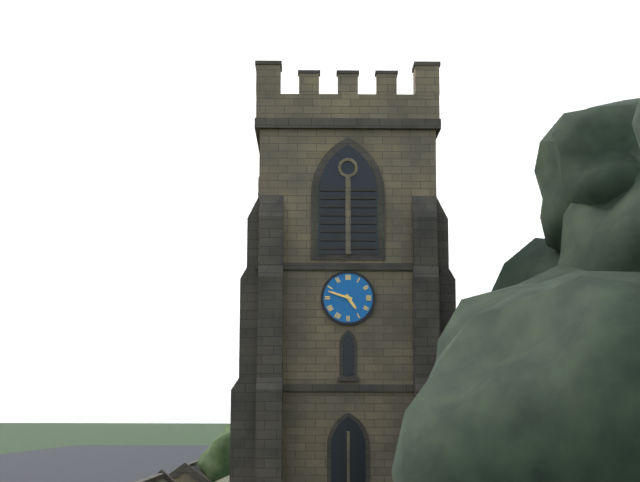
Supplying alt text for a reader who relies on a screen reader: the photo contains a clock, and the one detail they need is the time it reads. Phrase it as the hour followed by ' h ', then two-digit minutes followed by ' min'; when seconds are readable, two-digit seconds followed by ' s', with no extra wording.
4 h 48 min
